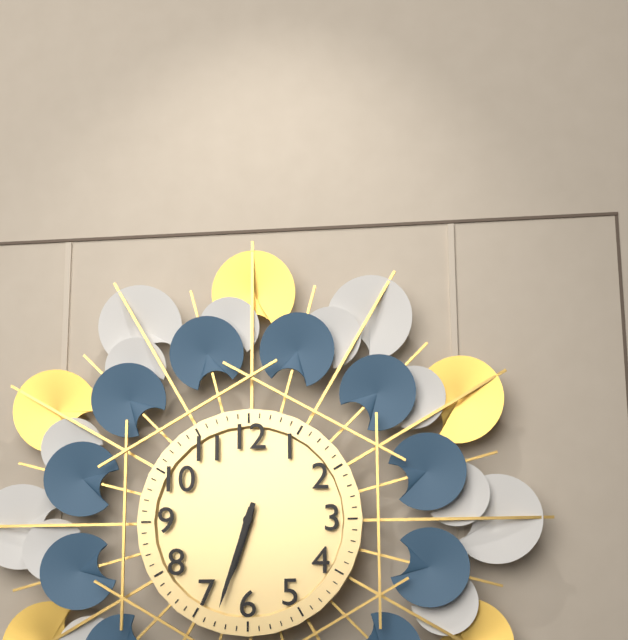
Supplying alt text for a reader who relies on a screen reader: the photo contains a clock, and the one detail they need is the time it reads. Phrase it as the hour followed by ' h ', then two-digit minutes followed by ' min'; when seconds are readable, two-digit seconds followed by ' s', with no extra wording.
6 h 33 min
